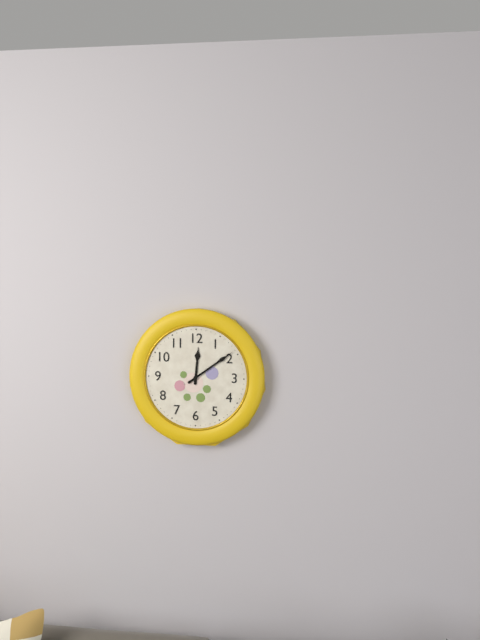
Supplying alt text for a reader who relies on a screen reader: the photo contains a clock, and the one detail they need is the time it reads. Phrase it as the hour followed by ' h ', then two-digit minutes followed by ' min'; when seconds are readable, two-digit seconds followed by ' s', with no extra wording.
12 h 09 min
